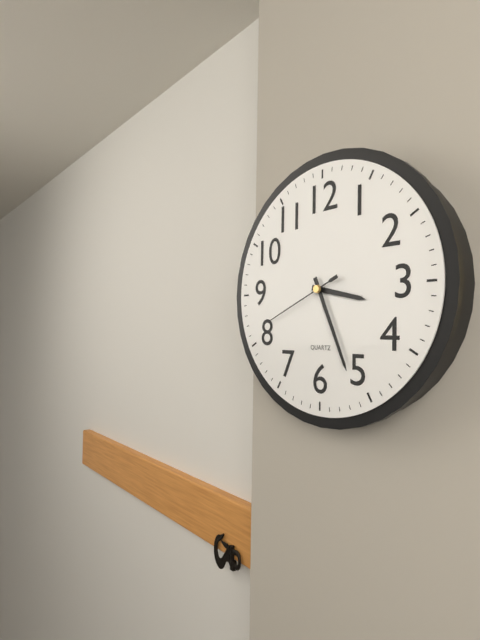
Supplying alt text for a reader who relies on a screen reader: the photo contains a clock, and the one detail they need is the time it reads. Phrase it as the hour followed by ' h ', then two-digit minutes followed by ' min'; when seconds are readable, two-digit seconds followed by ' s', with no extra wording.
3 h 26 min 41 s
